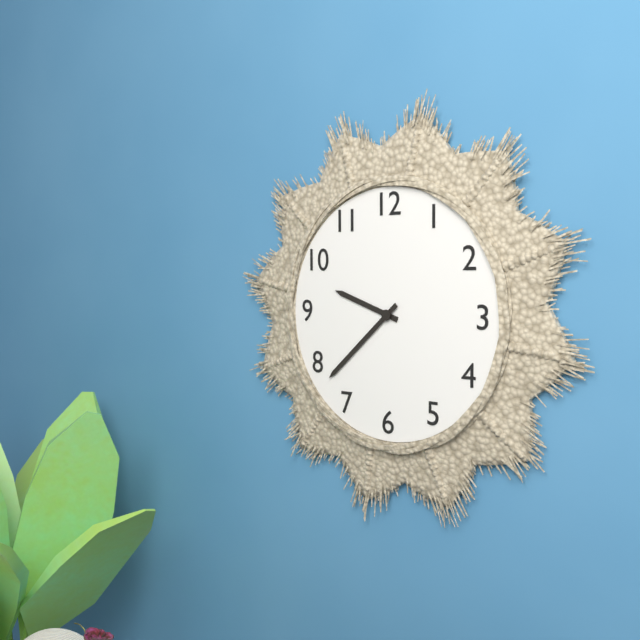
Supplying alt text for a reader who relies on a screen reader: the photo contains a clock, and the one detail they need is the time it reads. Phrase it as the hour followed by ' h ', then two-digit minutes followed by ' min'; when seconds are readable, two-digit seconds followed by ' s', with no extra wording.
9 h 38 min
